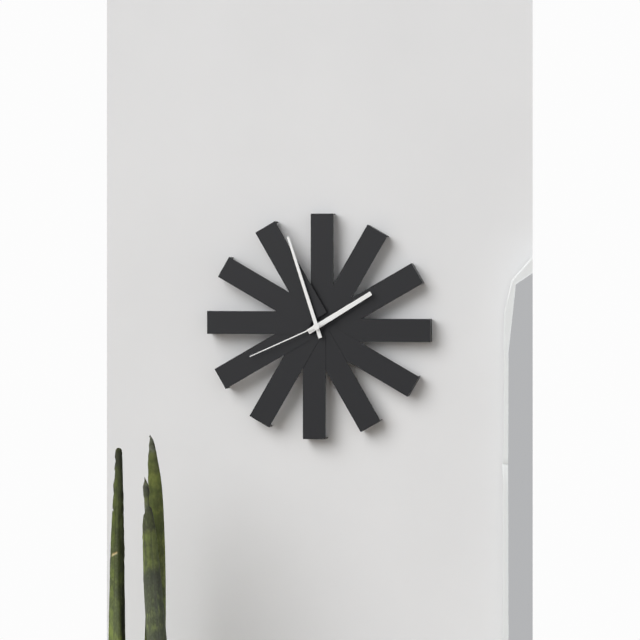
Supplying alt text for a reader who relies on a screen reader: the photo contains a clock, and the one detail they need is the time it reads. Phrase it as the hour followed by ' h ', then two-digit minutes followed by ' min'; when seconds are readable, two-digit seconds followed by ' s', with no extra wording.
1 h 57 min 41 s
